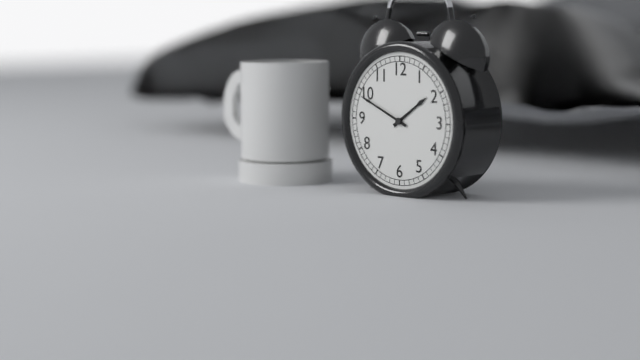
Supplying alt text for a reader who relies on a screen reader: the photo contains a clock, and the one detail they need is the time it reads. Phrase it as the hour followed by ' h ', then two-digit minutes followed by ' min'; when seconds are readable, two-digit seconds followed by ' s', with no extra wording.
1 h 49 min
